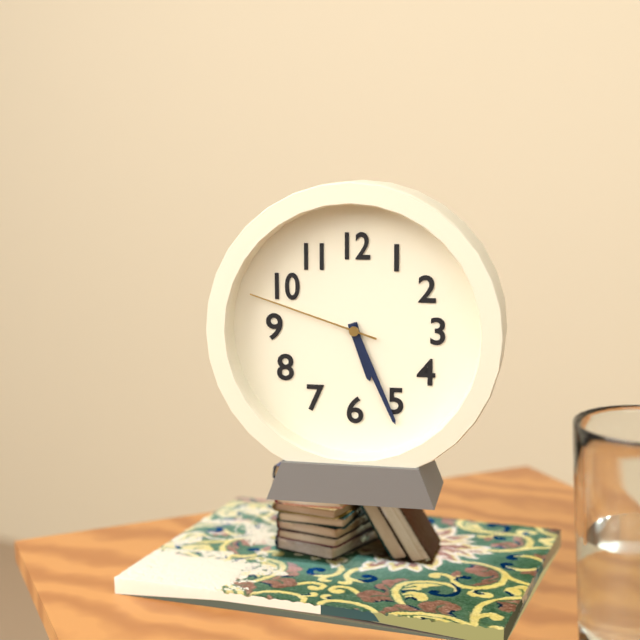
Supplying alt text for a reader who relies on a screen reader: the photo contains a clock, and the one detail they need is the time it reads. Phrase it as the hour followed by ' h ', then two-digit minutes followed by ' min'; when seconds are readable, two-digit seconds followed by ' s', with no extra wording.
5 h 26 min 48 s
